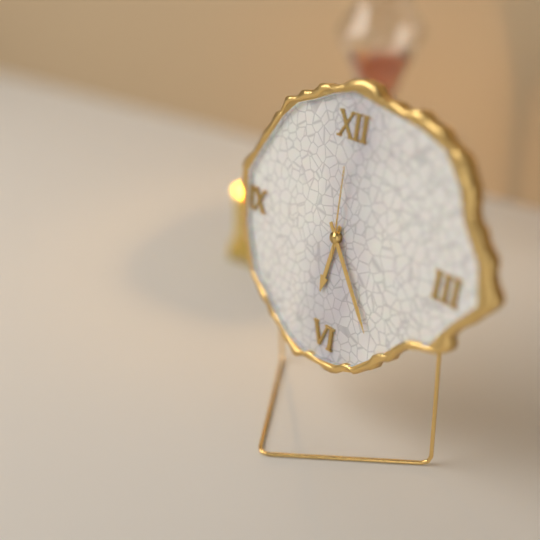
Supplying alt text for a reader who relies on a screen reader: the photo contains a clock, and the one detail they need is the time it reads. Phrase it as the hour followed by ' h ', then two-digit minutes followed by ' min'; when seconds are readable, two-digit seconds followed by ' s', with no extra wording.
6 h 24 min 00 s
